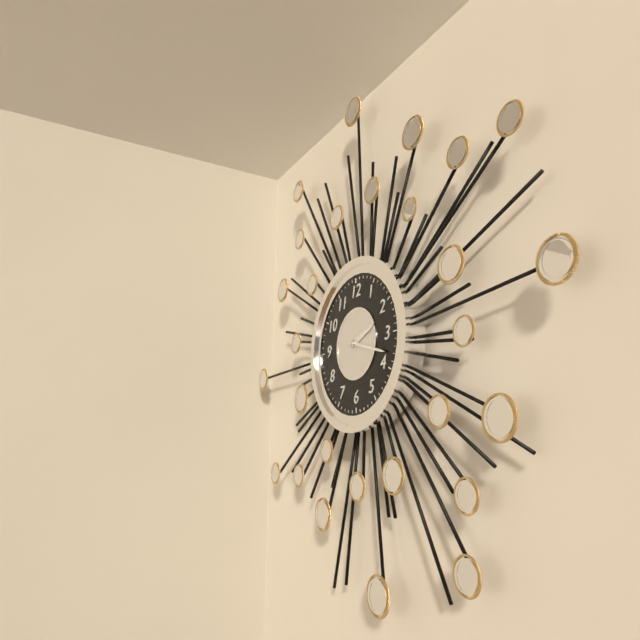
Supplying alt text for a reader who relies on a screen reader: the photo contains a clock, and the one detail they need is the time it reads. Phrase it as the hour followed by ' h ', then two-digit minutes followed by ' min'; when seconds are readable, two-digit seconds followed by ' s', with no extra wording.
2 h 18 min
